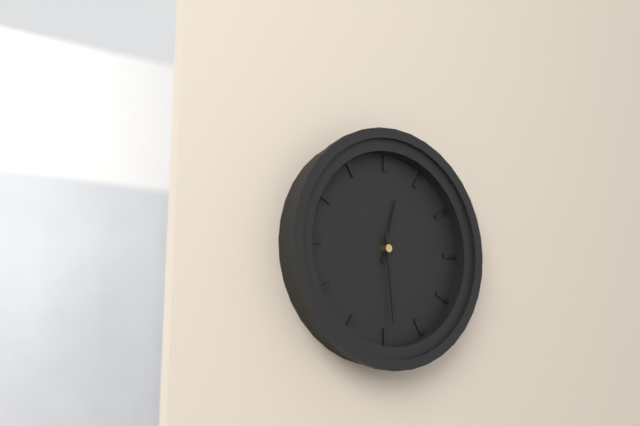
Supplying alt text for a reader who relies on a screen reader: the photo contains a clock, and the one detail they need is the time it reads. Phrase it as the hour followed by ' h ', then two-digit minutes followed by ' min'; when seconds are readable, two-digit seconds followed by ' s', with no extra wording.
12 h 29 min
